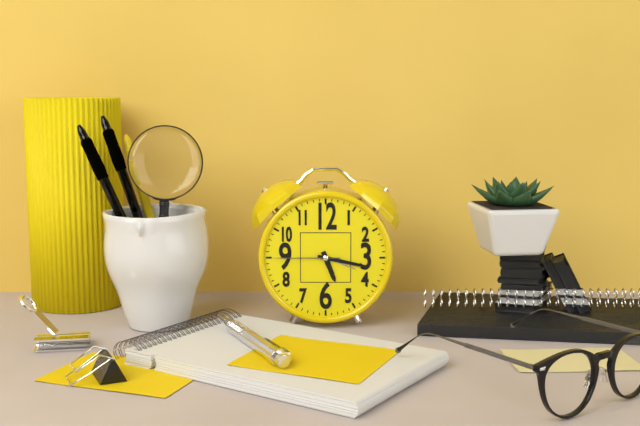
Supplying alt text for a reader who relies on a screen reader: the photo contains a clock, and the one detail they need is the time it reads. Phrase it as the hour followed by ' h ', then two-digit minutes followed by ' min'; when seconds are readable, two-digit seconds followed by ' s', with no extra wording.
5 h 17 min 45 s
